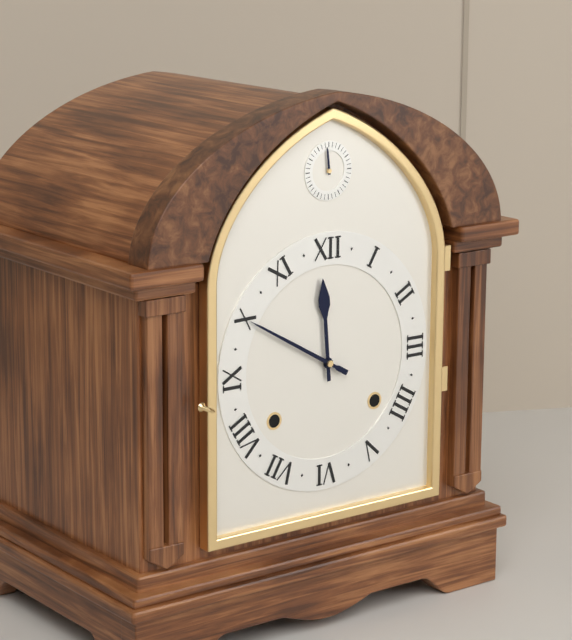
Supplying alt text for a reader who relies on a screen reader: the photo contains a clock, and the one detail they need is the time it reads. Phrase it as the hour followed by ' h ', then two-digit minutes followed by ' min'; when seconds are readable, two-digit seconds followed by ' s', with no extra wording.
11 h 50 min
